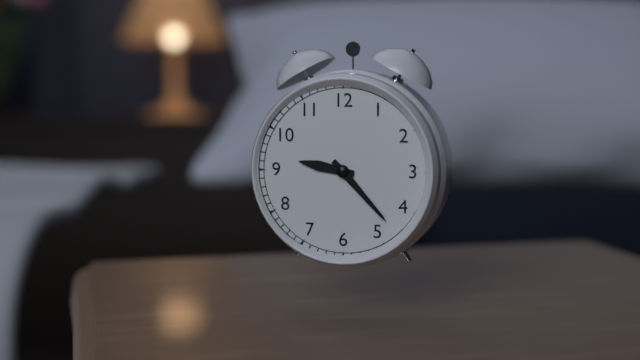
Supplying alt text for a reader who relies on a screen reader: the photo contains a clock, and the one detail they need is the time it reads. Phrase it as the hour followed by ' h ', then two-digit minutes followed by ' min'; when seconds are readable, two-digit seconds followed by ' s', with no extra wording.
9 h 23 min
